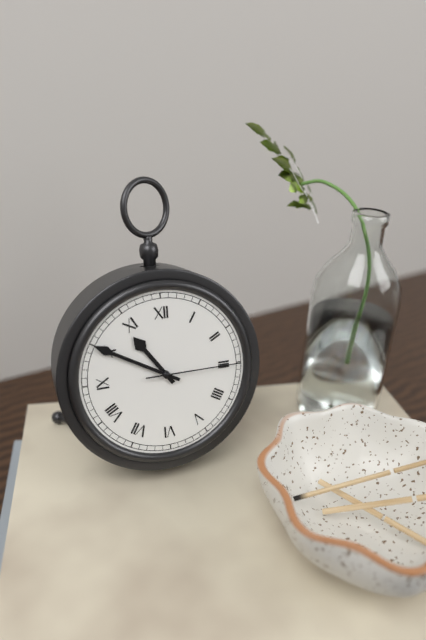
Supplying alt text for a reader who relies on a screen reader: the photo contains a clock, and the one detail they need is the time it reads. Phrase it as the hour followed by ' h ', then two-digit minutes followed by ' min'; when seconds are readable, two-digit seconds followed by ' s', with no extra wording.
10 h 50 min 15 s
